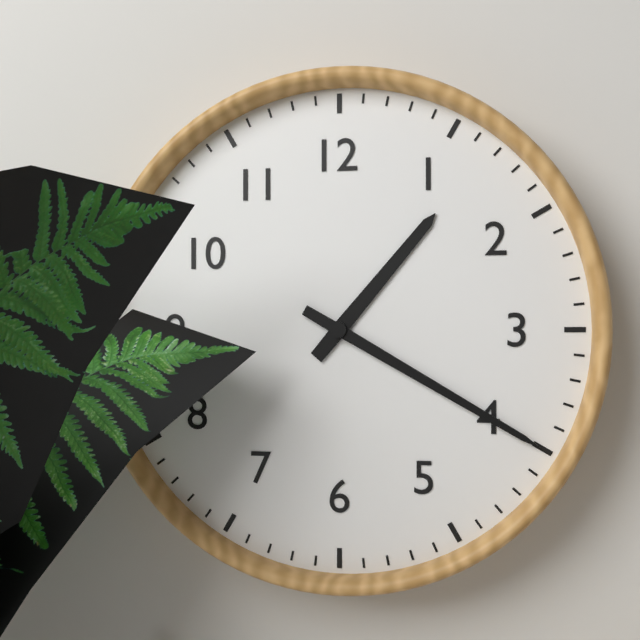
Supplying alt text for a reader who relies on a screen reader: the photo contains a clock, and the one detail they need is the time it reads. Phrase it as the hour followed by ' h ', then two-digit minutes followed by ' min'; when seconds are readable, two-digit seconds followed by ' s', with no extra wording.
1 h 20 min
